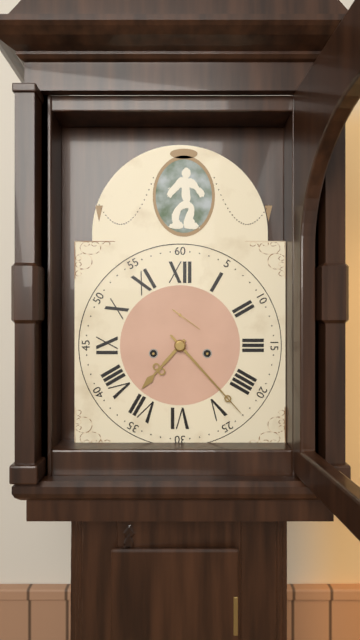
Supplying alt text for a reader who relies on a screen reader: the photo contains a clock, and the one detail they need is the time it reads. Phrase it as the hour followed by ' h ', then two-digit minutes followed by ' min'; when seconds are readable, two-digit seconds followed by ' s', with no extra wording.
7 h 23 min
